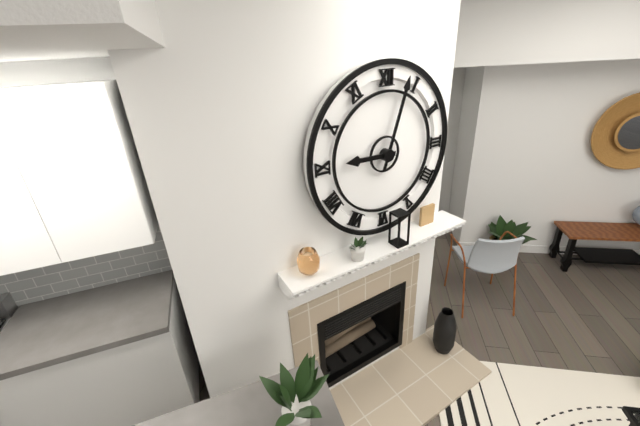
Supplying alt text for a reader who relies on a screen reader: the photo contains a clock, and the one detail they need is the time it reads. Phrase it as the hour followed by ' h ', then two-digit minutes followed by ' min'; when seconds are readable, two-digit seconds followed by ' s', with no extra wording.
9 h 03 min
